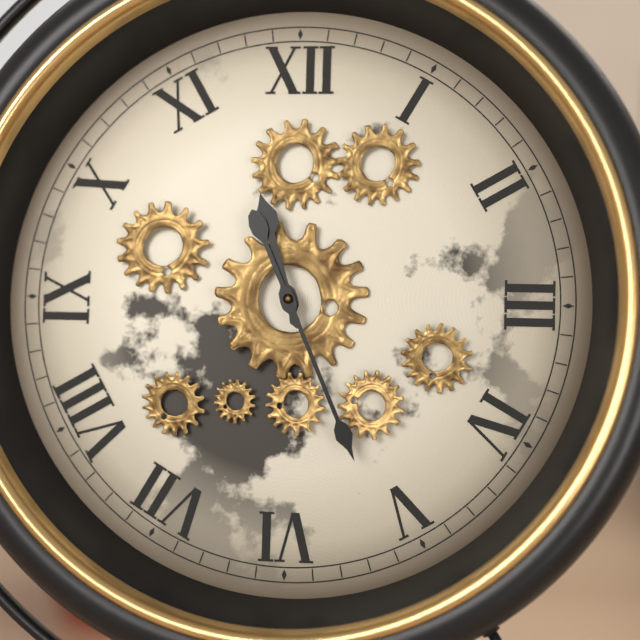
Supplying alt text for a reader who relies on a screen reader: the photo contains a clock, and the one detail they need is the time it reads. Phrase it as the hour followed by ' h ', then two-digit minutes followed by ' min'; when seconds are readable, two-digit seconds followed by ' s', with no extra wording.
11 h 26 min
